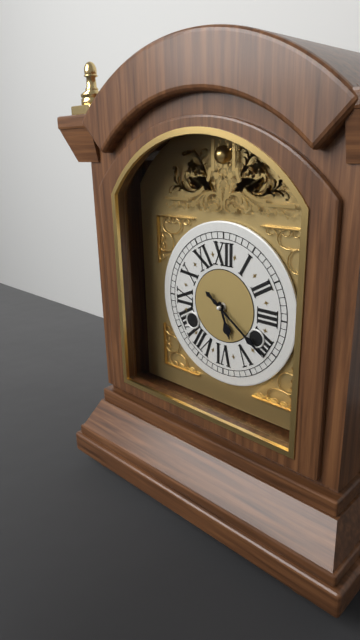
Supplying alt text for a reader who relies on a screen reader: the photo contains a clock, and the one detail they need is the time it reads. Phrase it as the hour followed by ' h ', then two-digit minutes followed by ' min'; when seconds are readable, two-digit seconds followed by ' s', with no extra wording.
5 h 21 min
